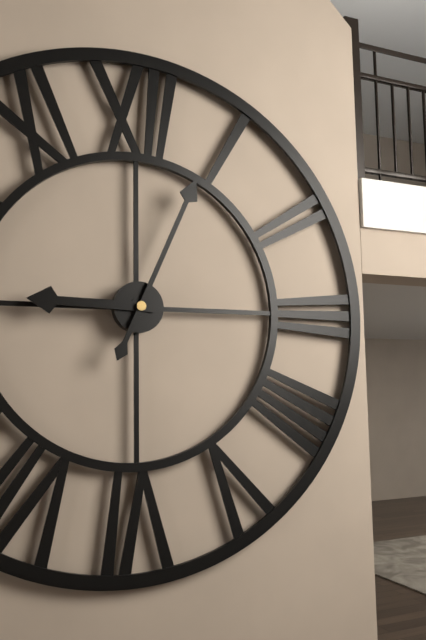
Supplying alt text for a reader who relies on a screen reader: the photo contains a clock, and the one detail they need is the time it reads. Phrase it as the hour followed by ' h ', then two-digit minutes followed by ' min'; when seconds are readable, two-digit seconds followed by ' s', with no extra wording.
9 h 04 min
